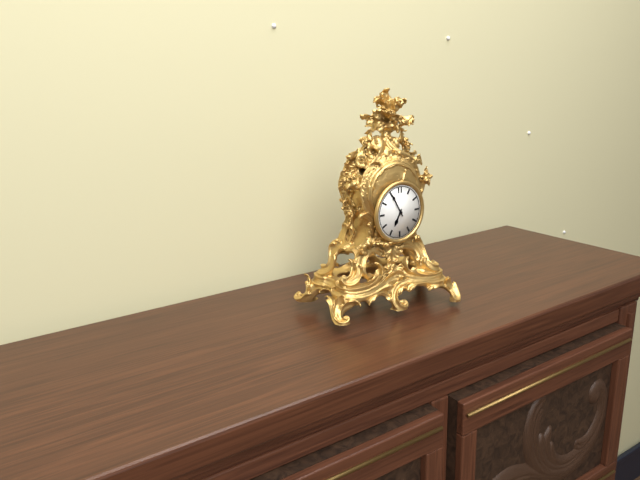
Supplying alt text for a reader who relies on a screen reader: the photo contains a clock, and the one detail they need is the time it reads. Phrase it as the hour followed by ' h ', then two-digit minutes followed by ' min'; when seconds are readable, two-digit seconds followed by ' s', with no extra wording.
6 h 55 min
